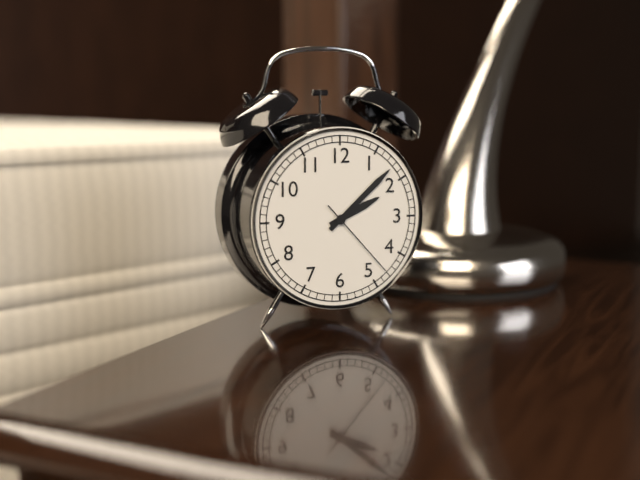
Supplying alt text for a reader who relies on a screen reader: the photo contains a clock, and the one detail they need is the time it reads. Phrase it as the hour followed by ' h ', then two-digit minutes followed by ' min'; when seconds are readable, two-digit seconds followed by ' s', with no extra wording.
2 h 08 min 23 s
